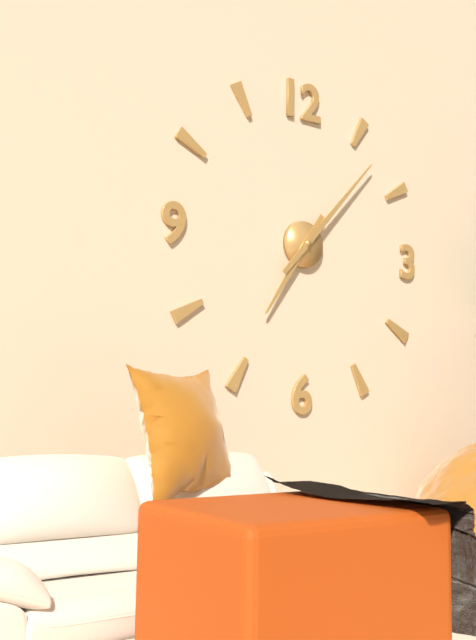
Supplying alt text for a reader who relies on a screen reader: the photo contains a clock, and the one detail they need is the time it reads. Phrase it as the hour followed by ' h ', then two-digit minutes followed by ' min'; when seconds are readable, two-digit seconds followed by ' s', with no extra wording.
7 h 07 min
